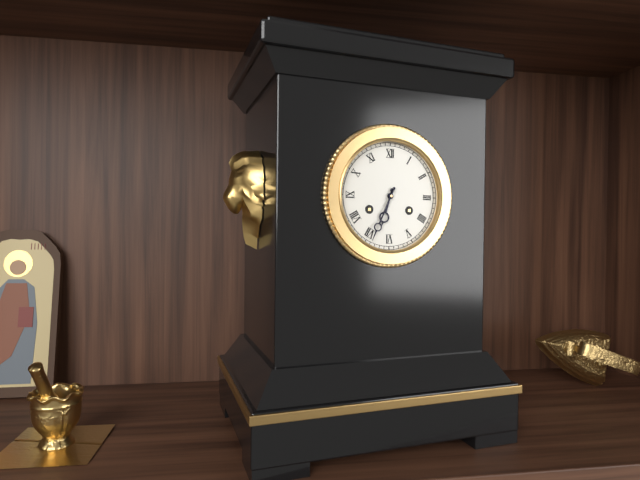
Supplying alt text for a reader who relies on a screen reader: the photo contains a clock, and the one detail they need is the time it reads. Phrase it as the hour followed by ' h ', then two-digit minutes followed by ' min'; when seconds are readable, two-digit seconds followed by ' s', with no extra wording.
6 h 34 min
